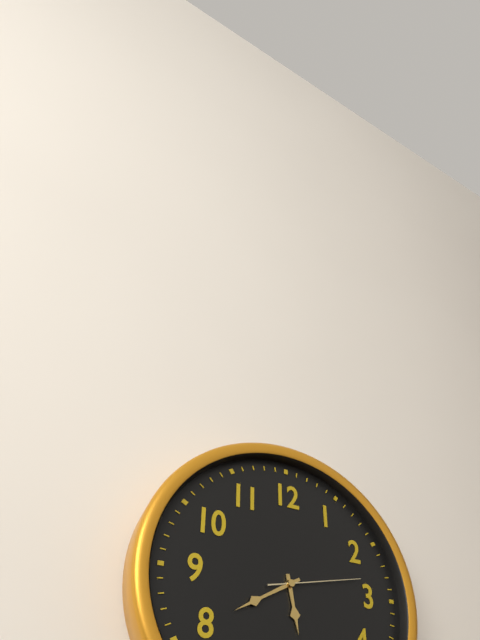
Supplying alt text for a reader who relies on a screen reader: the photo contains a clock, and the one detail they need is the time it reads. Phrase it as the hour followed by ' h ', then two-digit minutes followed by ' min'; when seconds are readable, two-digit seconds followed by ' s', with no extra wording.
5 h 40 min 13 s
